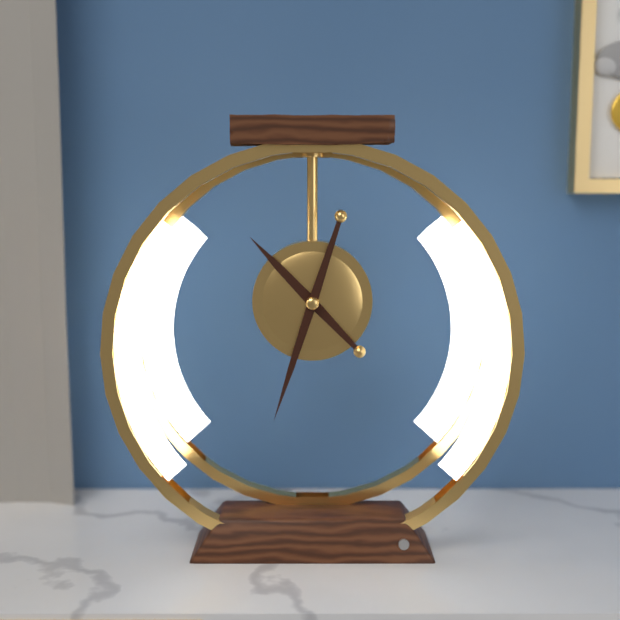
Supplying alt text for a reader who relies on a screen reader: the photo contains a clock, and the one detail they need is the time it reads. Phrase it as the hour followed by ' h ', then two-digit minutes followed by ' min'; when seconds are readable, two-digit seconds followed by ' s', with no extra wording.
10 h 33 min
